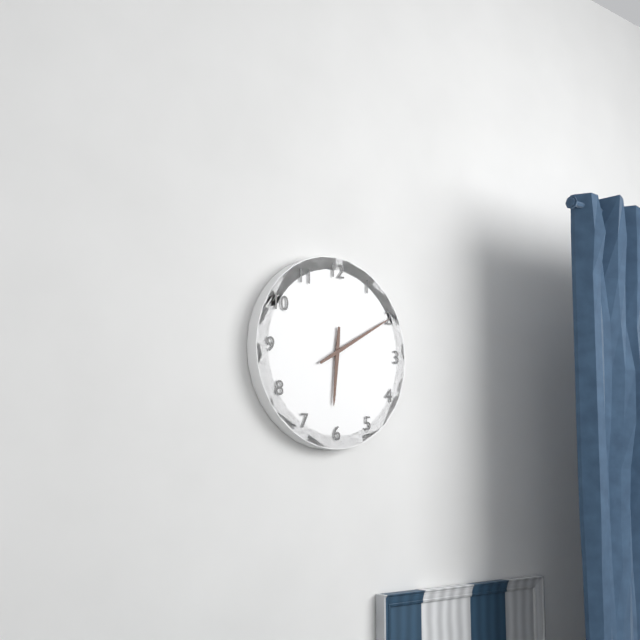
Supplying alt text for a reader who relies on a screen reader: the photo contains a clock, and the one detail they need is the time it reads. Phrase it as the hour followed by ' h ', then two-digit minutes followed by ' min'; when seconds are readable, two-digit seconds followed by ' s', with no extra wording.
6 h 10 min
